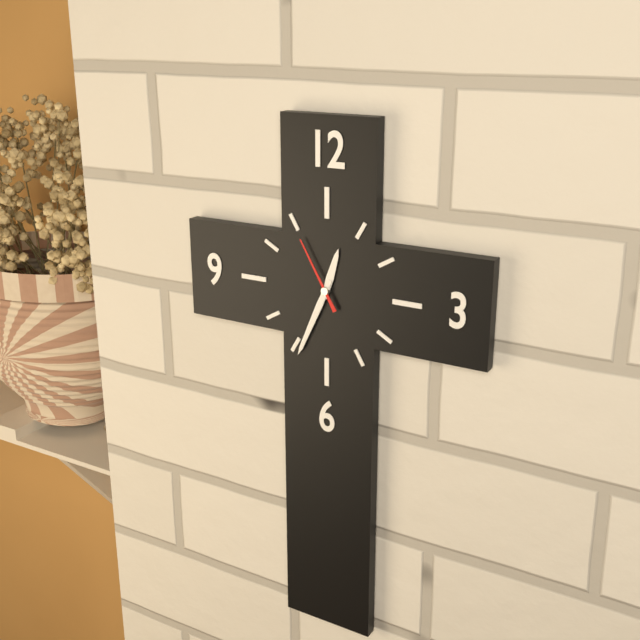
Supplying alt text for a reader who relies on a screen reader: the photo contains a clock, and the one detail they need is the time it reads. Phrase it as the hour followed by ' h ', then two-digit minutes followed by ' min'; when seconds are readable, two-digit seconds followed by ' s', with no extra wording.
12 h 34 min 55 s
